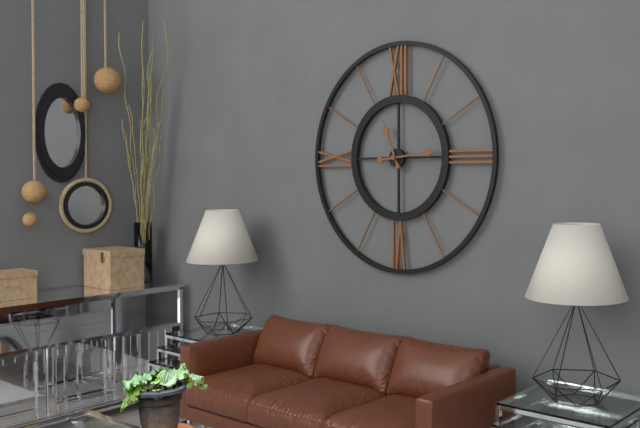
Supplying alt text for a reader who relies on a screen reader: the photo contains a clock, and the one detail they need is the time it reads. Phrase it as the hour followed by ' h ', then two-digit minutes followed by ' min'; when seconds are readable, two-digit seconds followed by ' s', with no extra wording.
11 h 14 min
